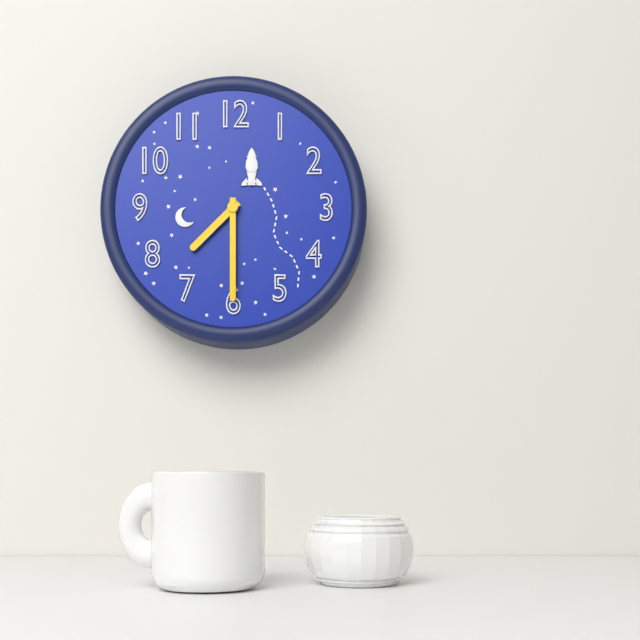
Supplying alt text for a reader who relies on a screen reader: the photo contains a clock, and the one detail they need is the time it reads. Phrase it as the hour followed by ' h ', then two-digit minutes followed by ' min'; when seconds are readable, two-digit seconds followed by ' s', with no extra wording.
7 h 30 min
